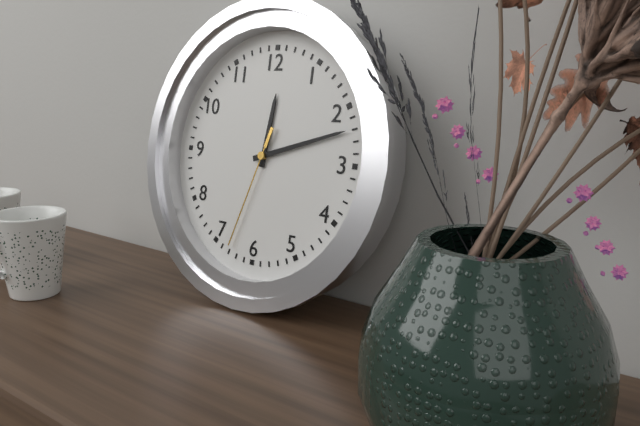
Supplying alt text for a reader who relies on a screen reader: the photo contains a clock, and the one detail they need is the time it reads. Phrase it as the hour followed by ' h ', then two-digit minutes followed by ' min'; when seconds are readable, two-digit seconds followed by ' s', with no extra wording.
12 h 12 min 33 s
